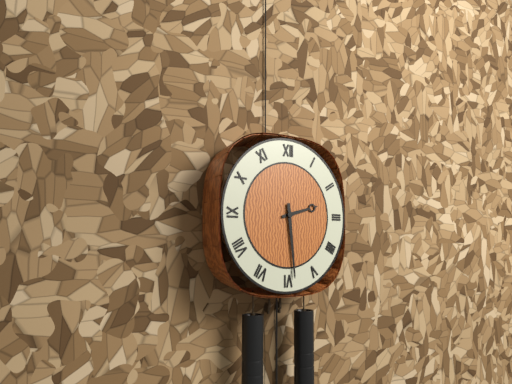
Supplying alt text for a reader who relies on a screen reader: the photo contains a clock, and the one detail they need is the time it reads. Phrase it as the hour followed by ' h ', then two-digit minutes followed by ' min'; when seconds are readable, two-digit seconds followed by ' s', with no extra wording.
2 h 29 min
